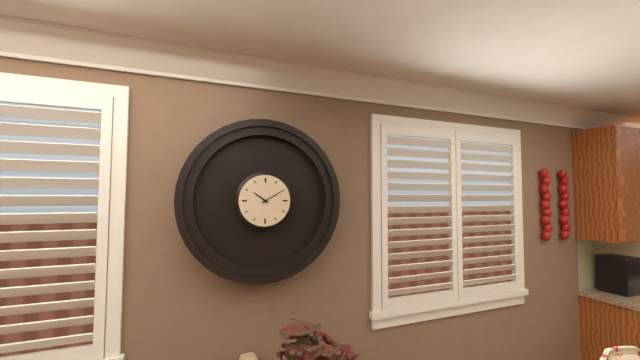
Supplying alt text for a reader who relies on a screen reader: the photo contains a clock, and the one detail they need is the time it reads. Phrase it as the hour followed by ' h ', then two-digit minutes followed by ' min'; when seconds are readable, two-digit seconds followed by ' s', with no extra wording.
10 h 10 min
